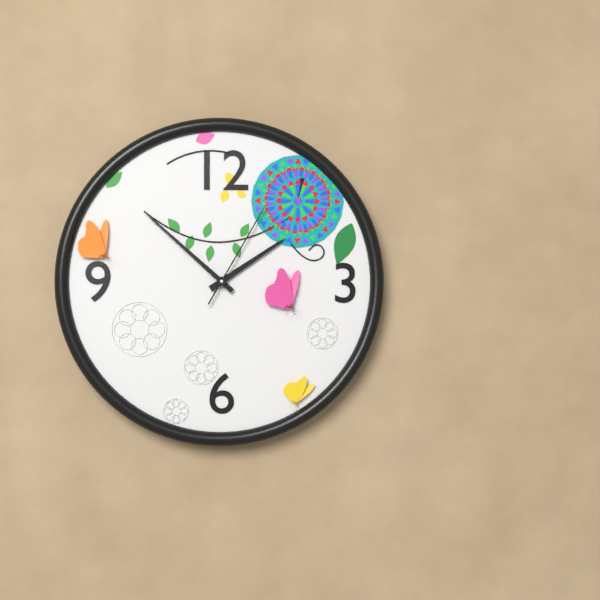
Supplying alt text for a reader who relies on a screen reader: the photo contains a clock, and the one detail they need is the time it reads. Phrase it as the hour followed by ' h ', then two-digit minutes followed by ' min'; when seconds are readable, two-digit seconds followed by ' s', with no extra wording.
1 h 52 min 05 s
